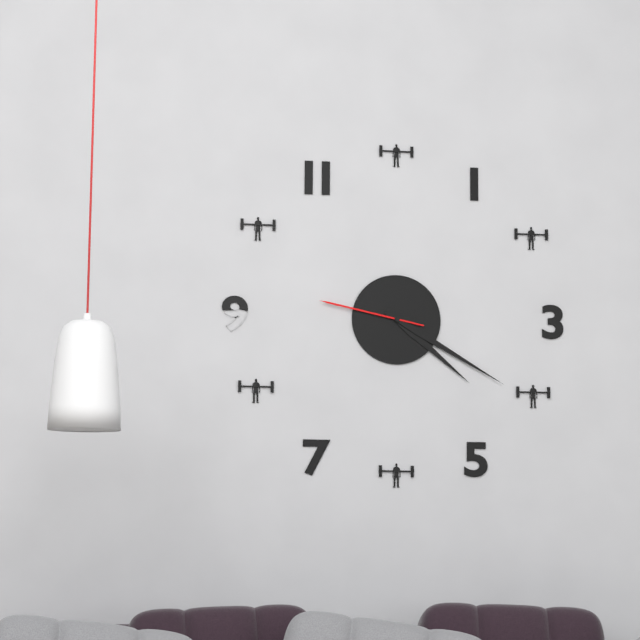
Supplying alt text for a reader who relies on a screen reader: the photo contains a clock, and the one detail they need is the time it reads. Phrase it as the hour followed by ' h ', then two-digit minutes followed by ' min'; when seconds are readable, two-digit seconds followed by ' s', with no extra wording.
4 h 20 min 47 s
